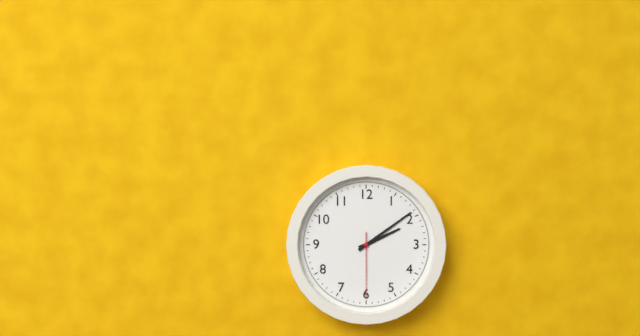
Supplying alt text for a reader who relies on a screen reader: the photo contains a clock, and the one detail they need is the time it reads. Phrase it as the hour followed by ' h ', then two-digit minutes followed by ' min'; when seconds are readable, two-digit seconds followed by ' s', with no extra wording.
2 h 09 min 30 s
